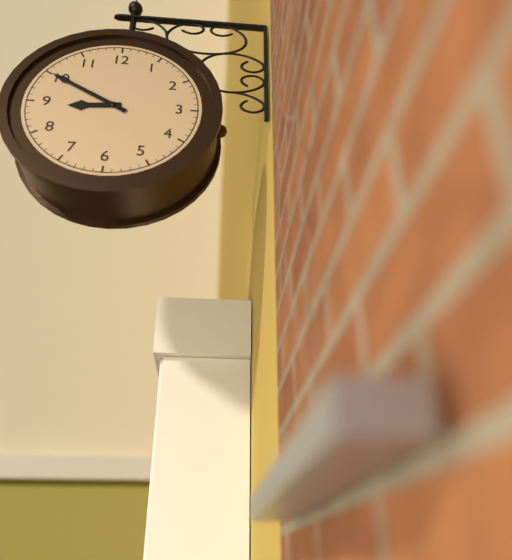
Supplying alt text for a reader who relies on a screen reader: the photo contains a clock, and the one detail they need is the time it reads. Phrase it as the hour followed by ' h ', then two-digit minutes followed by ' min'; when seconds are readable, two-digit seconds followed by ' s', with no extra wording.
8 h 50 min
